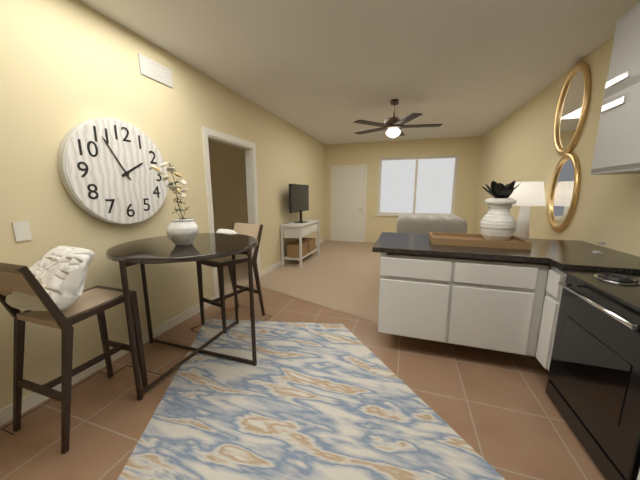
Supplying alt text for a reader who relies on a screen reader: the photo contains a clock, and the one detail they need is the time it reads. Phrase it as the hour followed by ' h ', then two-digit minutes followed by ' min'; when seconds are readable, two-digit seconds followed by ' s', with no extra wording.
1 h 55 min
